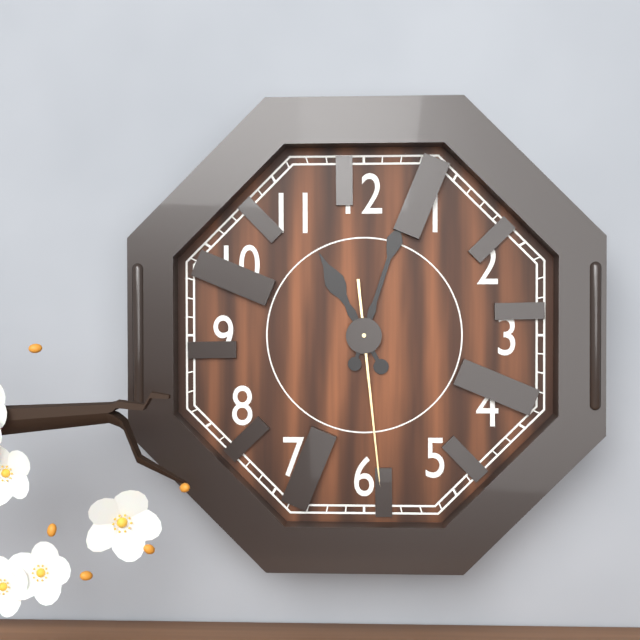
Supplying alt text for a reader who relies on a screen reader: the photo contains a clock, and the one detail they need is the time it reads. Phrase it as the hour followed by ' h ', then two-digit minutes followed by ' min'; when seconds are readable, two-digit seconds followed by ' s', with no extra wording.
11 h 03 min 29 s
